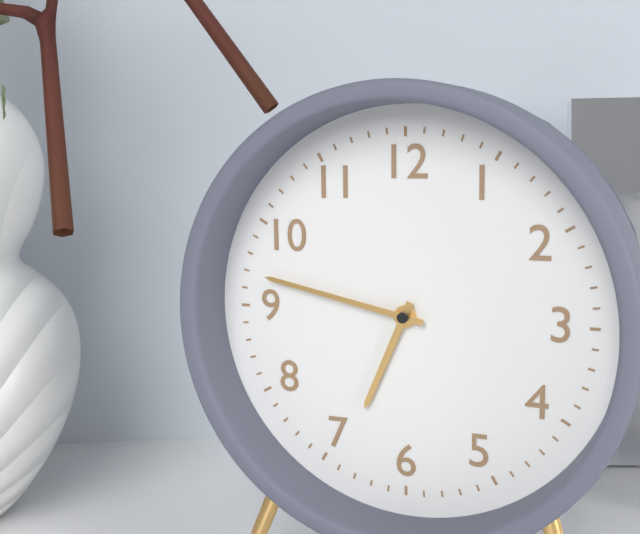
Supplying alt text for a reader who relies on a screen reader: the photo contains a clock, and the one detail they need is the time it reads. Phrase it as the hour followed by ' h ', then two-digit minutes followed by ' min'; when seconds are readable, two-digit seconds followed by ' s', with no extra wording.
6 h 47 min
